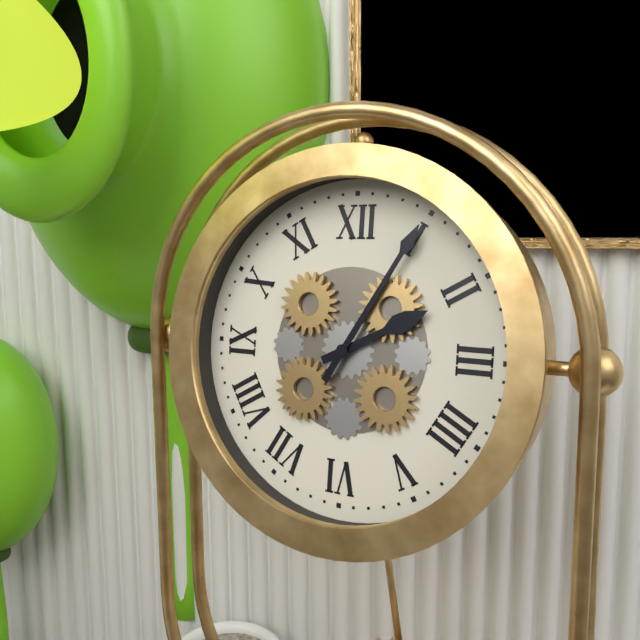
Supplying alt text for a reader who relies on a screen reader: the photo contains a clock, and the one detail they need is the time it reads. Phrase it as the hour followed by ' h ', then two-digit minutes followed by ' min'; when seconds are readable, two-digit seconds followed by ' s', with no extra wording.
2 h 05 min
